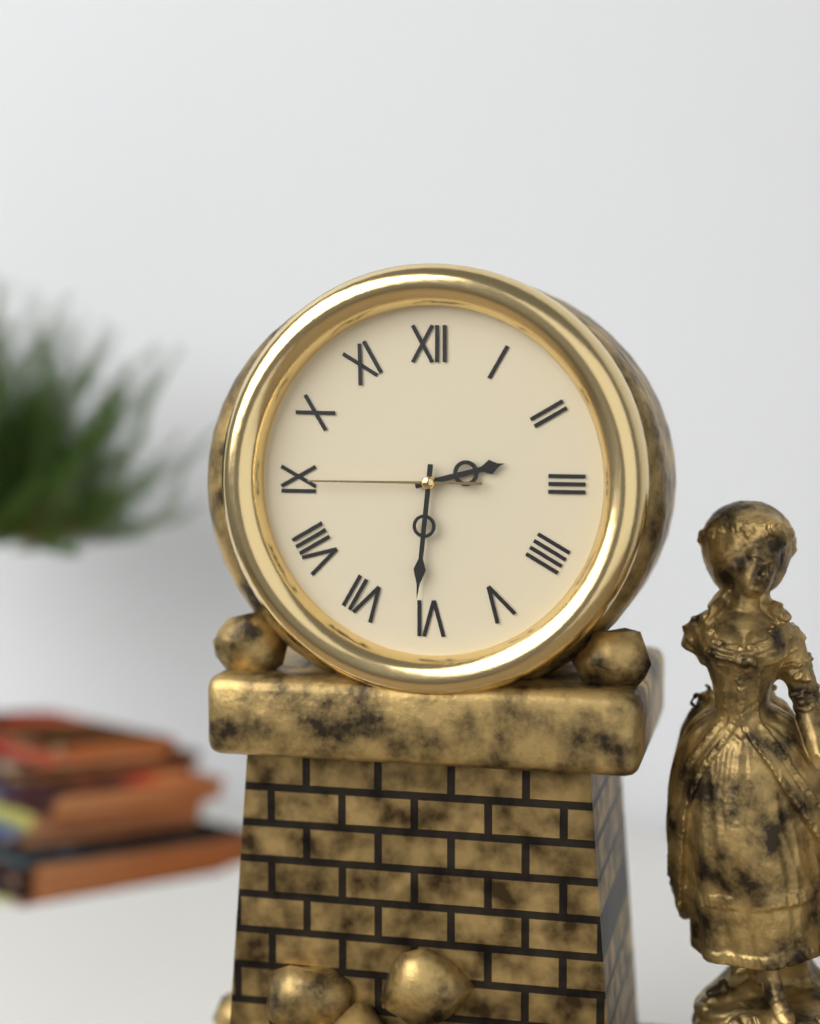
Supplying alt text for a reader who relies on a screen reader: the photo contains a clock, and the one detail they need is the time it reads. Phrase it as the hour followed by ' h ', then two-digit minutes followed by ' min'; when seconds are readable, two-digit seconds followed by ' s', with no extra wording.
2 h 31 min 45 s
